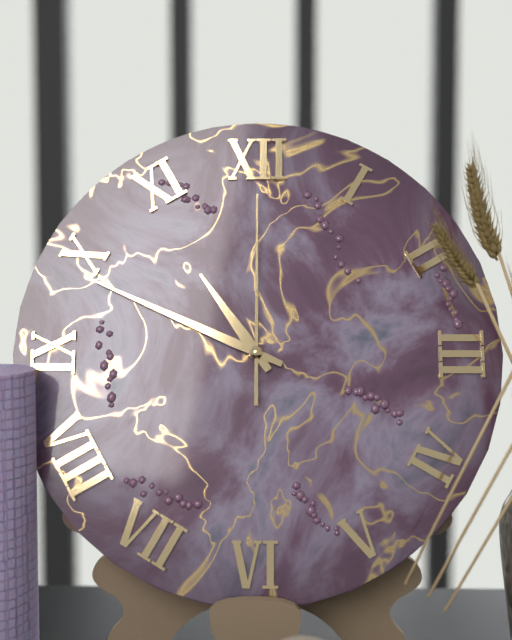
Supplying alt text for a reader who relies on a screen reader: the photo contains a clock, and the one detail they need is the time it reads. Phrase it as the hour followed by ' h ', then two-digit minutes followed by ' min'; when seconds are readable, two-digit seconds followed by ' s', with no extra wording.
10 h 49 min 00 s
